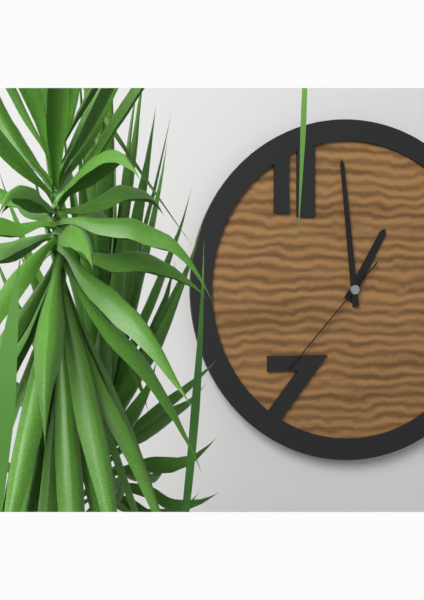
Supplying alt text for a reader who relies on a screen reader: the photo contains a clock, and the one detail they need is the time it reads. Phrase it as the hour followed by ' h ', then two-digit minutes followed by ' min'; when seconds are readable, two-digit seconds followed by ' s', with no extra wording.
12 h 59 min 37 s
